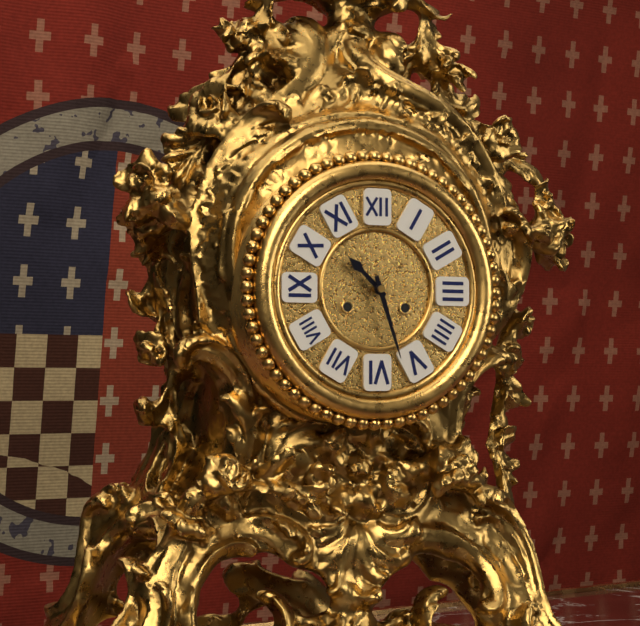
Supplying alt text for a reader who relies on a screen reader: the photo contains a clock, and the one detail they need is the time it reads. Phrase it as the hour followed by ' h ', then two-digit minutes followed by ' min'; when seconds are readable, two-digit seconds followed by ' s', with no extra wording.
10 h 27 min
